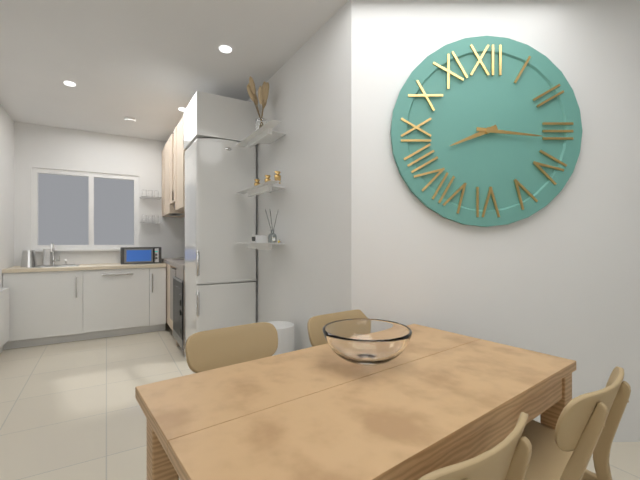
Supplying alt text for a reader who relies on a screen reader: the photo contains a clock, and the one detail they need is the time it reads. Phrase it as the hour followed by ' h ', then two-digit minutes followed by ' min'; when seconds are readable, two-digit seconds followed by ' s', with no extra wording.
8 h 16 min
